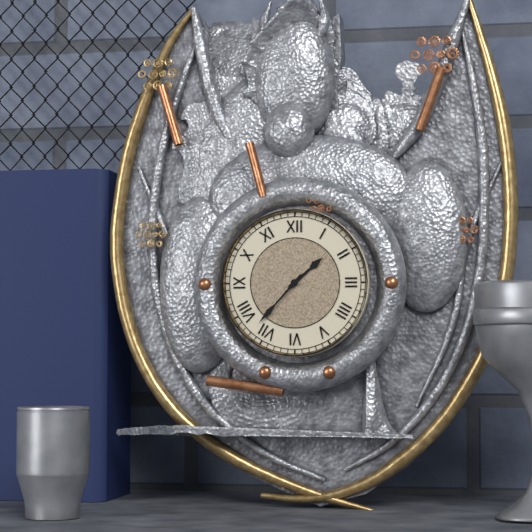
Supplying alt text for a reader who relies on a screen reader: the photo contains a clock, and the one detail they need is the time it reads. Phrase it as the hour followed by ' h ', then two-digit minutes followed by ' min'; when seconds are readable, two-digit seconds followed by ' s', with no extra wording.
1 h 37 min
